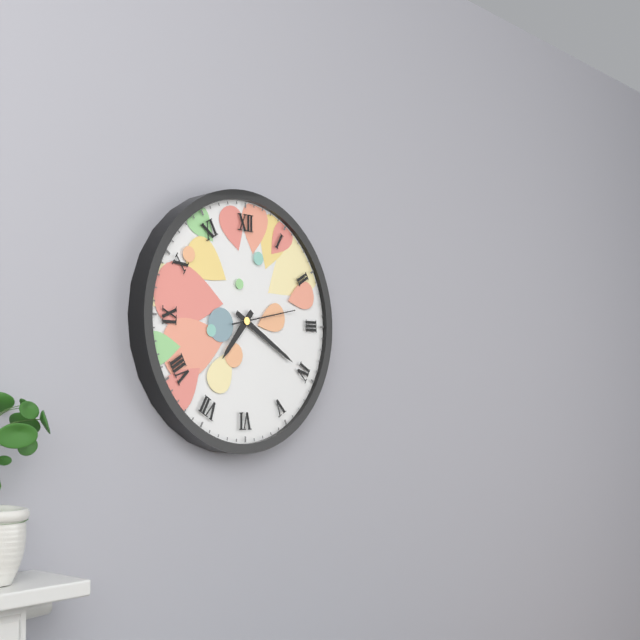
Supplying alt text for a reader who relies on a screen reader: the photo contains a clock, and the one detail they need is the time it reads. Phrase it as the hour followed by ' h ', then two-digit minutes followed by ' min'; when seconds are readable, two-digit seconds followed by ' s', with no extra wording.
7 h 20 min 13 s
